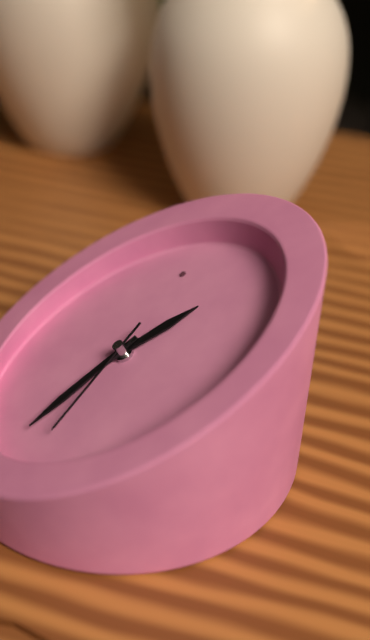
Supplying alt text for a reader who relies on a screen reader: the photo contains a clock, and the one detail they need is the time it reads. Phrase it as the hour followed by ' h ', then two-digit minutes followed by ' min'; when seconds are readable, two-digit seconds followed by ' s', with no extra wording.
2 h 41 min 38 s
